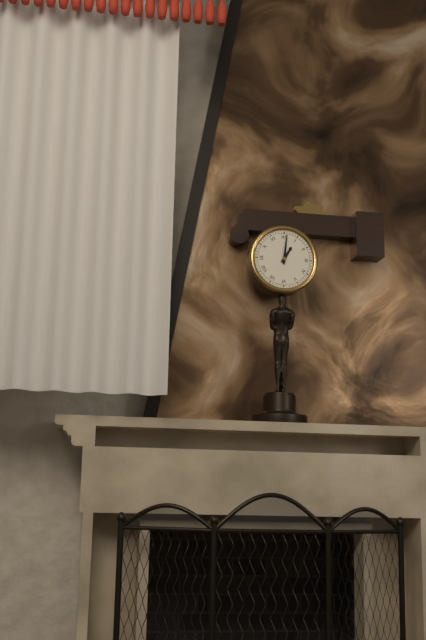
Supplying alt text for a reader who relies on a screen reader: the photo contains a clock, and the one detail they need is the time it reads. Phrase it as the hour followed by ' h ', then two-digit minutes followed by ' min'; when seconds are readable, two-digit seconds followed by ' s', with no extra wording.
1 h 01 min
